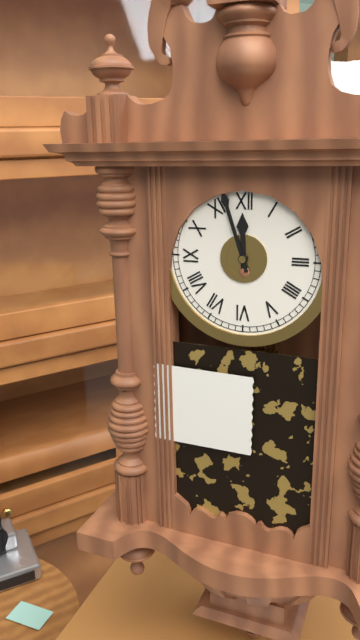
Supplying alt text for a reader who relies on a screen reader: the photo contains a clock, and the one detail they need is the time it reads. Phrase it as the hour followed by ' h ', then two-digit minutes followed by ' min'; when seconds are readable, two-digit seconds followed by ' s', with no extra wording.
11 h 57 min
